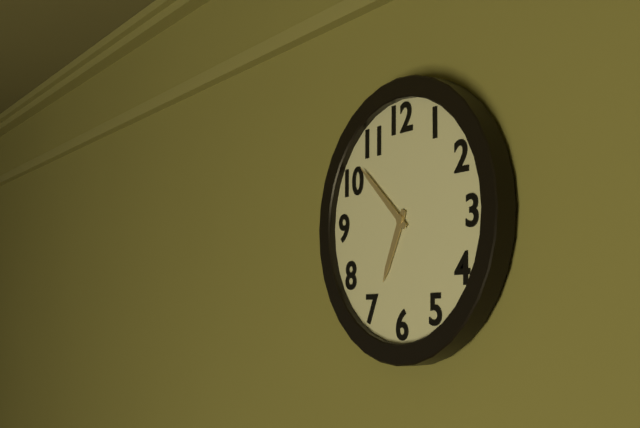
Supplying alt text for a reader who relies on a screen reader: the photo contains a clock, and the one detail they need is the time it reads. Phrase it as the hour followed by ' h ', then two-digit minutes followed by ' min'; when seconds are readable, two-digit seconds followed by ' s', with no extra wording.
6 h 52 min
